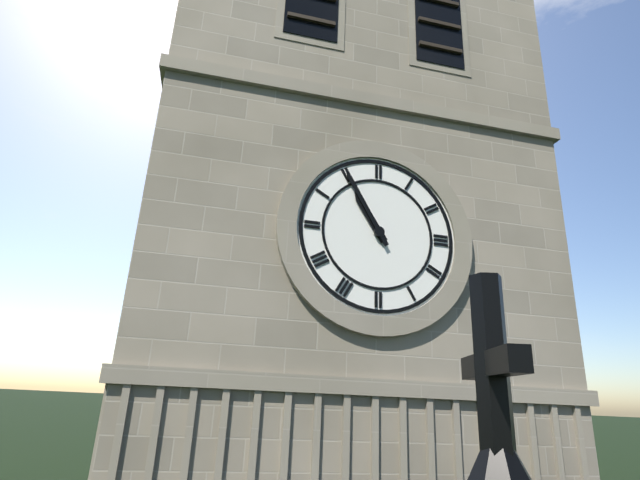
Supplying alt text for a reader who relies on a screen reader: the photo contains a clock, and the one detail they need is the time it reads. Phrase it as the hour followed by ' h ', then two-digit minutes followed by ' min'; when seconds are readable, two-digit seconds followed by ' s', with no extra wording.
10 h 55 min
